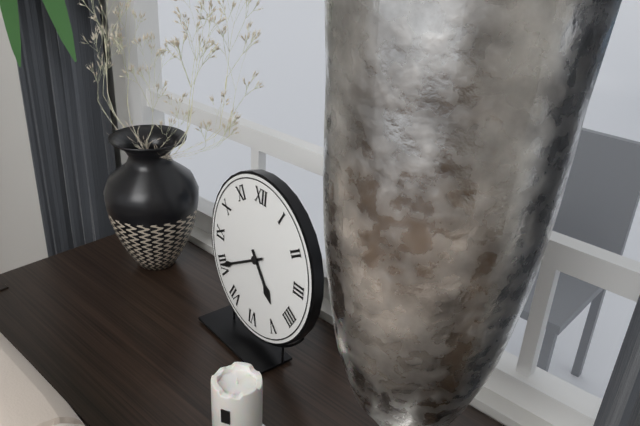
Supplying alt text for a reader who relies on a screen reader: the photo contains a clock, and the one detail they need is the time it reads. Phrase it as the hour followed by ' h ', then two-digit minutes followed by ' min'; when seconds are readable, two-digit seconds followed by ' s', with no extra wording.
4 h 40 min
